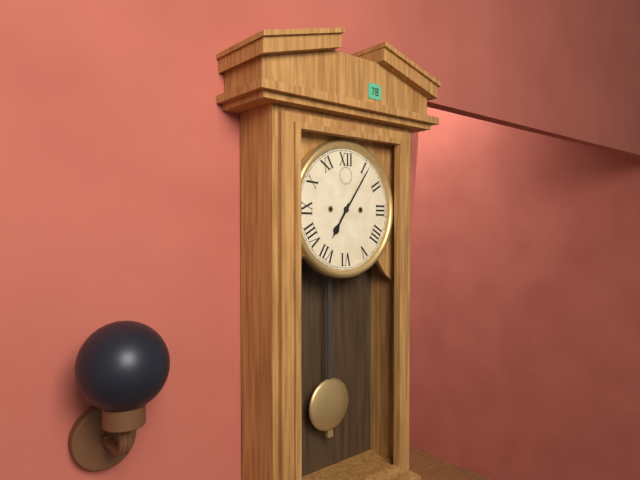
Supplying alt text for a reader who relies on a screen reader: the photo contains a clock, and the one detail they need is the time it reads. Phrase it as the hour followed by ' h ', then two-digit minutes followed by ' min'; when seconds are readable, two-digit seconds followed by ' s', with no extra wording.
7 h 06 min
